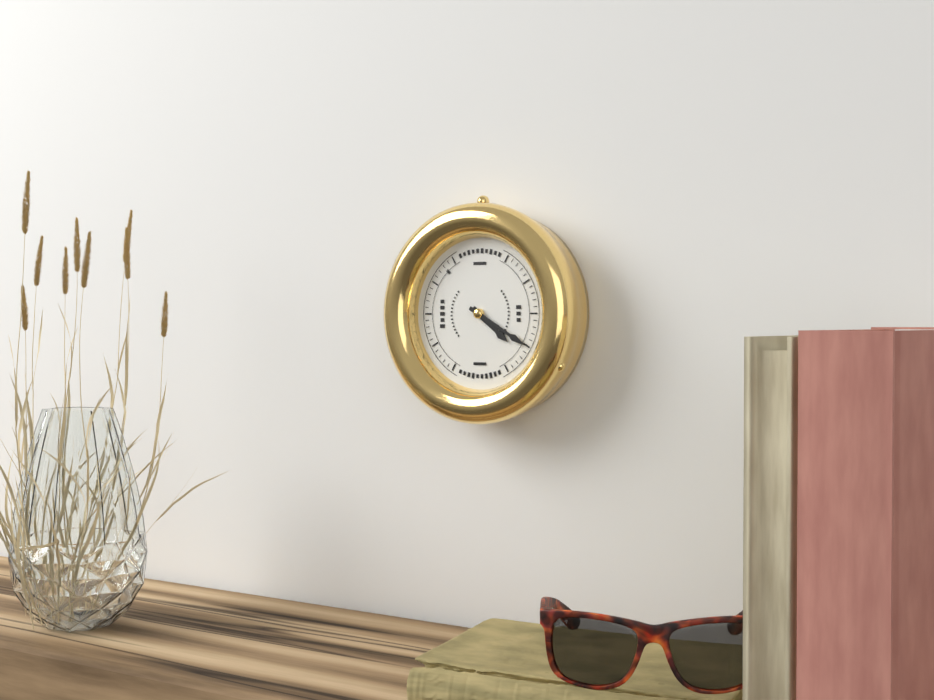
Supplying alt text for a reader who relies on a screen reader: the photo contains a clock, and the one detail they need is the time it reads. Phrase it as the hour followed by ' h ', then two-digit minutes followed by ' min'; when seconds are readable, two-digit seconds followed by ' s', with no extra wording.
4 h 20 min
